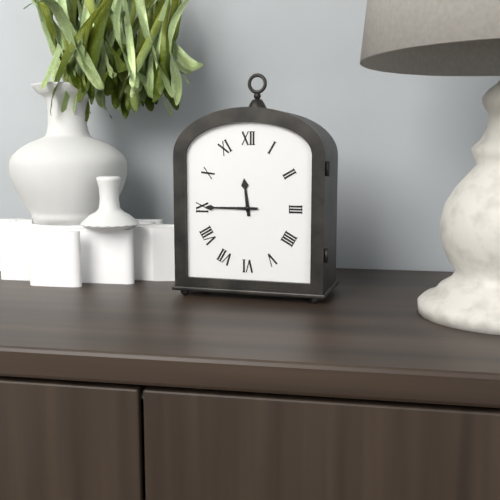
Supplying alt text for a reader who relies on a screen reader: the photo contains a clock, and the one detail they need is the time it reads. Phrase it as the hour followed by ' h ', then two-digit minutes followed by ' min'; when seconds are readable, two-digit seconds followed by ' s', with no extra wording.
11 h 45 min
